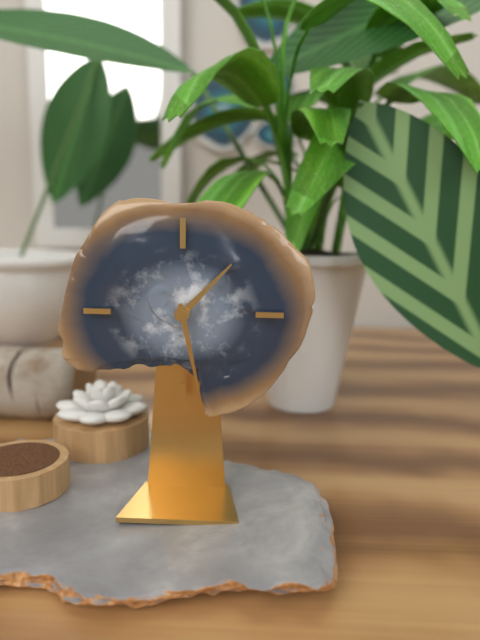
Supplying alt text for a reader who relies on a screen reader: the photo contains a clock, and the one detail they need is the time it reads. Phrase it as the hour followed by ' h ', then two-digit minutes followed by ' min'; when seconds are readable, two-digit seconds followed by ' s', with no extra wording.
1 h 28 min
